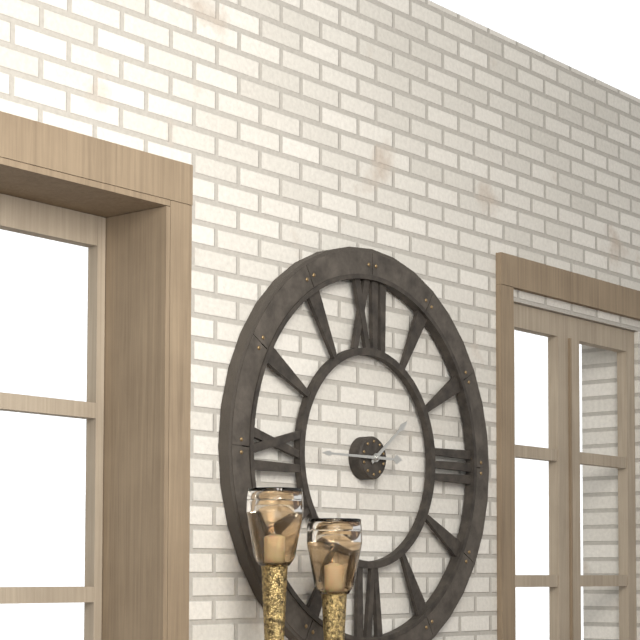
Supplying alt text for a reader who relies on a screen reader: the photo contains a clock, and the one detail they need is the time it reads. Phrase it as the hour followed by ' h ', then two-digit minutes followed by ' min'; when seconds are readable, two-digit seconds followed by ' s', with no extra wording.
1 h 45 min
